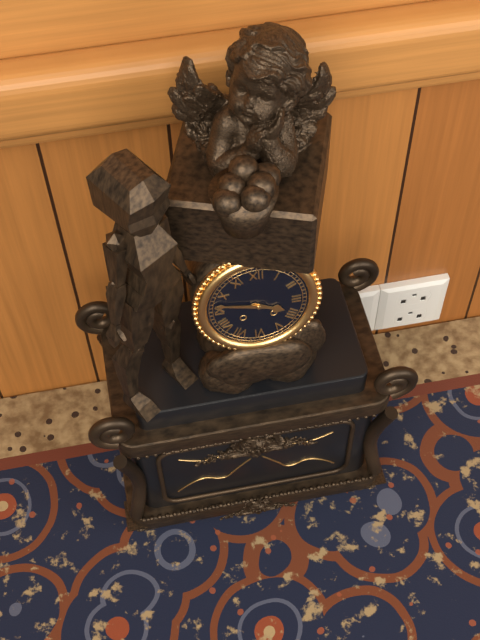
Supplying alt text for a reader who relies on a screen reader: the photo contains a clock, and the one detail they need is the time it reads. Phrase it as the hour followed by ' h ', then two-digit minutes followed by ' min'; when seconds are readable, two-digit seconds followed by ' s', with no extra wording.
3 h 47 min
